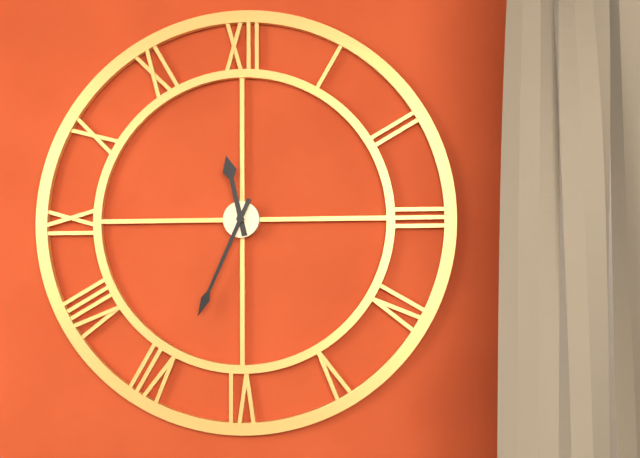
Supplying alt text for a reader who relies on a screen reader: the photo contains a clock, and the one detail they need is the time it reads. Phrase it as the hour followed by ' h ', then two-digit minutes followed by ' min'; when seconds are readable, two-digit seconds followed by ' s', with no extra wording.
11 h 34 min
